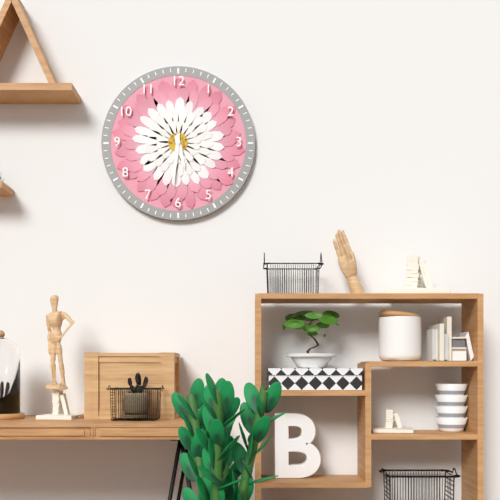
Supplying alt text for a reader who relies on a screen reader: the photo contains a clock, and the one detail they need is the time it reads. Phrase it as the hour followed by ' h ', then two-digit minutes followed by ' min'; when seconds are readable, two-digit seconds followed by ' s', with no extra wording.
5 h 31 min
